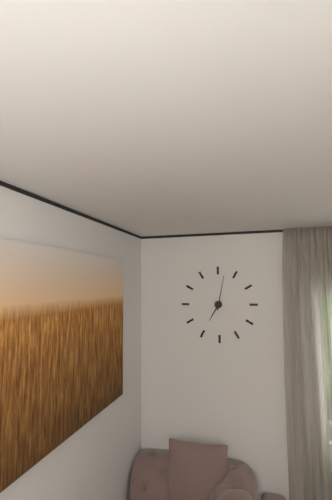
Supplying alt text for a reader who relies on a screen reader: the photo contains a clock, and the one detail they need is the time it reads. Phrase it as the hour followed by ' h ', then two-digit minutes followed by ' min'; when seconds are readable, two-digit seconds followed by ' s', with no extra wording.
7 h 02 min
